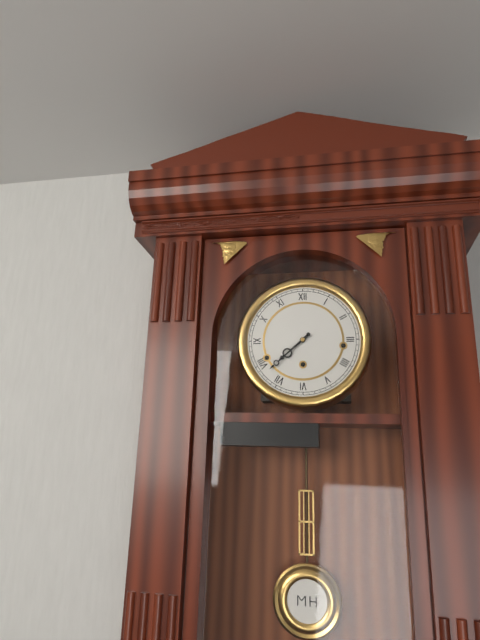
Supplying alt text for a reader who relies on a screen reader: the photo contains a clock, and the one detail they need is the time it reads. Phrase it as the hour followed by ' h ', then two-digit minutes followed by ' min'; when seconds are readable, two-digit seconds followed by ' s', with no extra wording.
7 h 38 min
